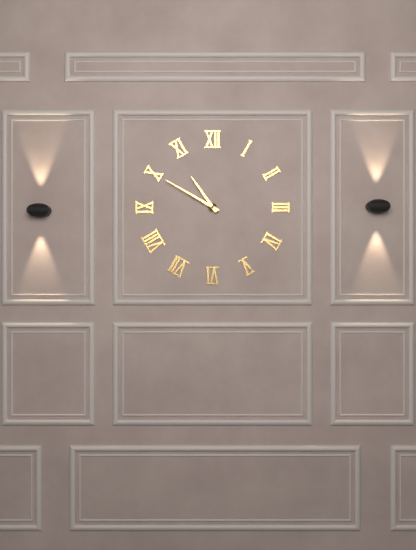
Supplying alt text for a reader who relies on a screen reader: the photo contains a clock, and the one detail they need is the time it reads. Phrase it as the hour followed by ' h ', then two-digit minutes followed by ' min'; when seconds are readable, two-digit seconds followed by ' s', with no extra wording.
10 h 50 min
